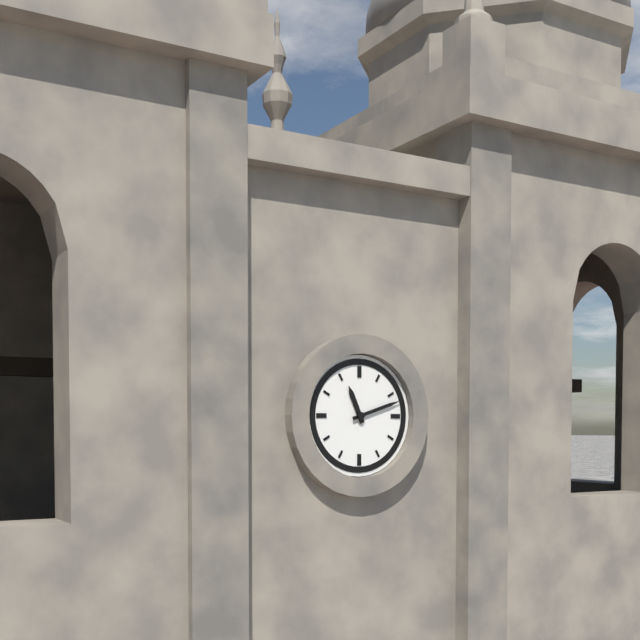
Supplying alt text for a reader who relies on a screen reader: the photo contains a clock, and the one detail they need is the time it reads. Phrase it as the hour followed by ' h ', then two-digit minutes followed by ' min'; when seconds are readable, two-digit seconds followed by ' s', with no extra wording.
11 h 12 min
